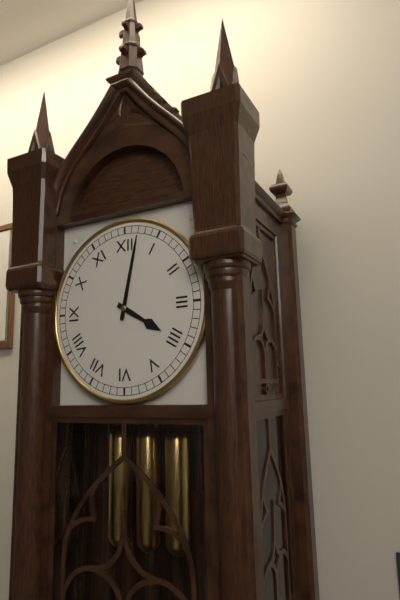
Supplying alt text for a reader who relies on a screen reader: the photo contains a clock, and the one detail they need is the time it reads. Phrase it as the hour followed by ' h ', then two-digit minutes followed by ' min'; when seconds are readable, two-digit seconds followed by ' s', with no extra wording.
4 h 02 min
